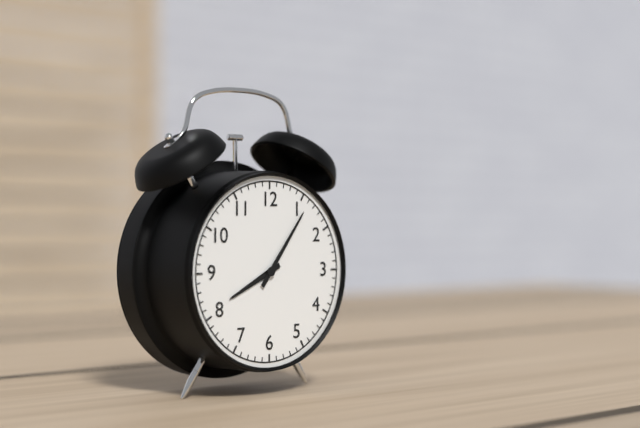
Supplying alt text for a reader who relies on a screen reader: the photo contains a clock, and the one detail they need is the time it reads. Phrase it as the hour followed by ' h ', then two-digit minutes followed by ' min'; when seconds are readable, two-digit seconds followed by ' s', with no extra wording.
8 h 06 min
